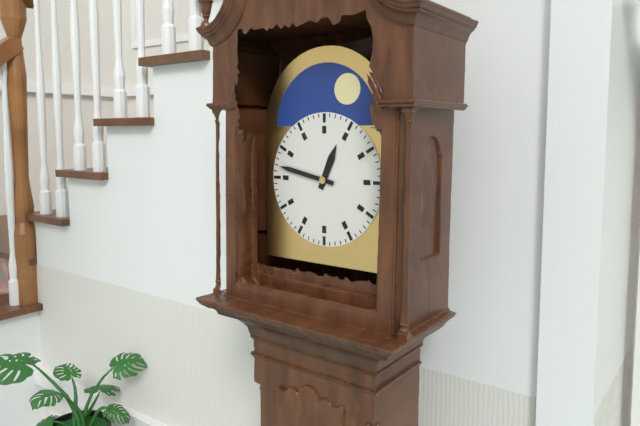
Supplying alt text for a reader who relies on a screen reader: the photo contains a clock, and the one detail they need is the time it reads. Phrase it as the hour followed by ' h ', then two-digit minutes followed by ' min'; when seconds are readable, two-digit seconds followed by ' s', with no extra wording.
12 h 47 min
